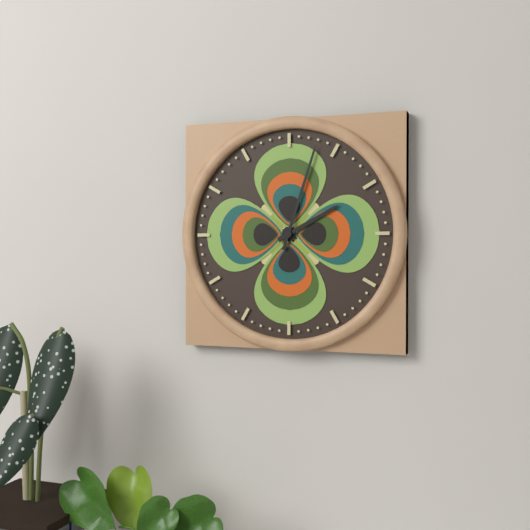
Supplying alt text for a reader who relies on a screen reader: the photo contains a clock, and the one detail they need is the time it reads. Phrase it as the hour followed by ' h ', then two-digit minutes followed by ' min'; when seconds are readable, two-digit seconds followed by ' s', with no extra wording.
2 h 03 min
